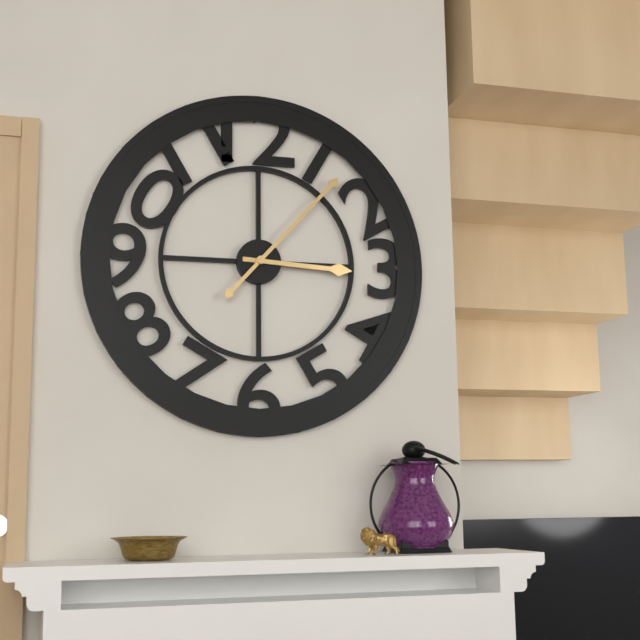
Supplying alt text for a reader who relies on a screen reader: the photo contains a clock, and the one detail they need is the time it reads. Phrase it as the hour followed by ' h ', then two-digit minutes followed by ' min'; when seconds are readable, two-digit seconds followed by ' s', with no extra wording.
3 h 07 min
